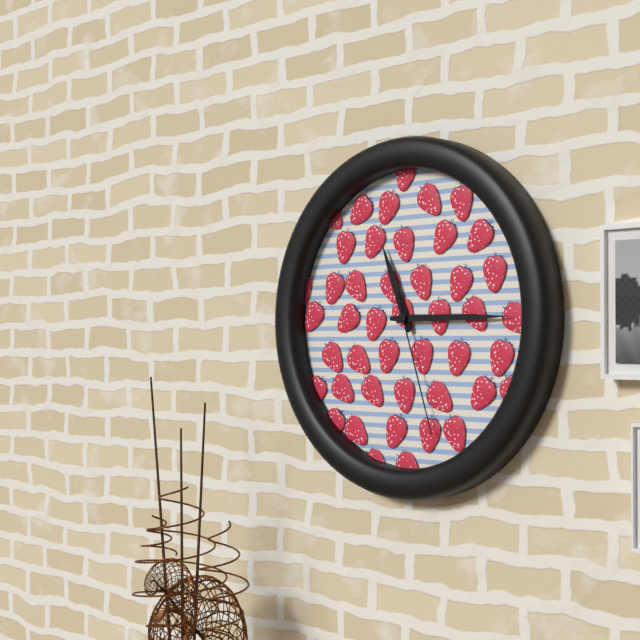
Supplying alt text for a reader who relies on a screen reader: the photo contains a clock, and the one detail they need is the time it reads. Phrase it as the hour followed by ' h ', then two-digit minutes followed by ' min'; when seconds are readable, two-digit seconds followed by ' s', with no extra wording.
11 h 15 min 27 s
